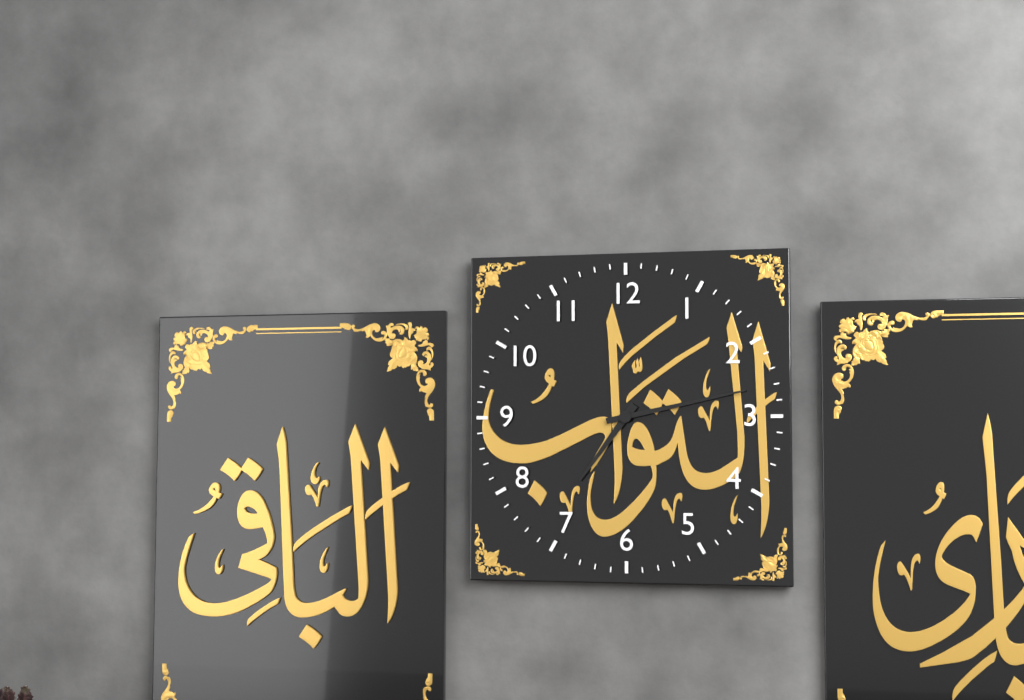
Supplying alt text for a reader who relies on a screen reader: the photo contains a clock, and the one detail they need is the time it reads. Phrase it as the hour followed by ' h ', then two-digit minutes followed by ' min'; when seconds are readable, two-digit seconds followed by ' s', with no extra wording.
7 h 13 min
